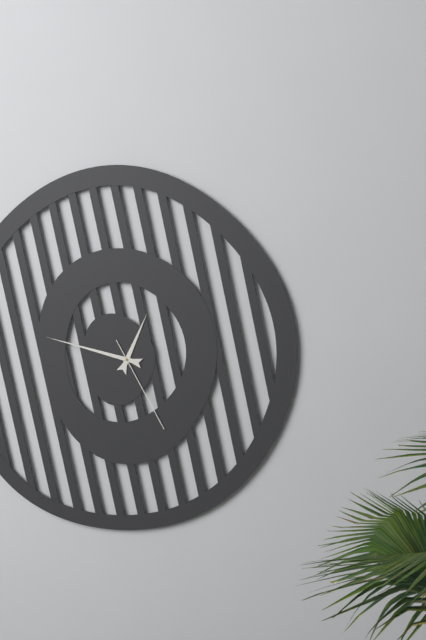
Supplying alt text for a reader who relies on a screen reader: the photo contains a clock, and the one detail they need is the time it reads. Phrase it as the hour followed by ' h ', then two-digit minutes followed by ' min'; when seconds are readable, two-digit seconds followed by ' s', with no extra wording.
12 h 47 min 25 s
